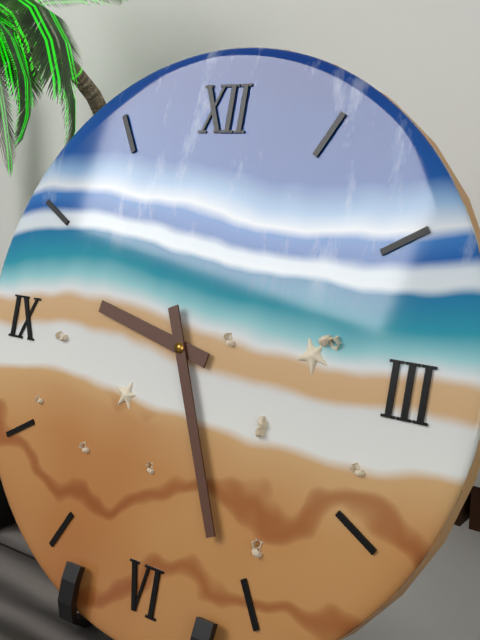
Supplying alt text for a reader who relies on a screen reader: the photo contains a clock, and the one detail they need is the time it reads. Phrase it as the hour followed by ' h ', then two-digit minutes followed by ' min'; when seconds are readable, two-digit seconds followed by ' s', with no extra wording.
9 h 26 min
